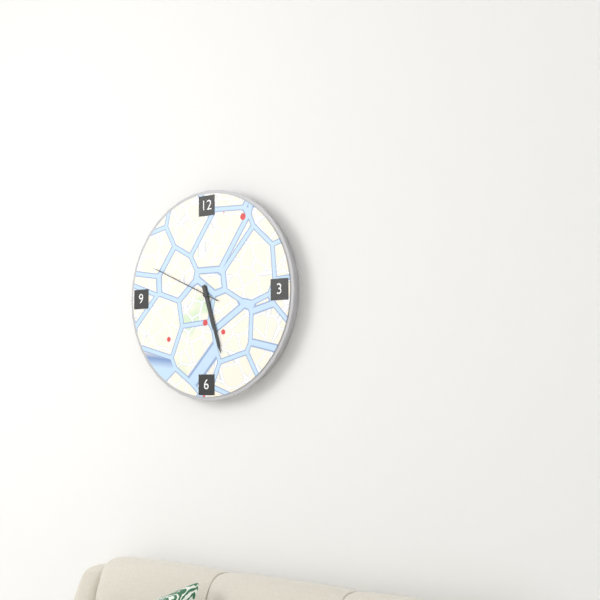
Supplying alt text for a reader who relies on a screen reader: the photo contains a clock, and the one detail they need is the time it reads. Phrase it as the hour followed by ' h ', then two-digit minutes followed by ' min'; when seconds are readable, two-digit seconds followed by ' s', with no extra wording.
5 h 27 min 49 s
